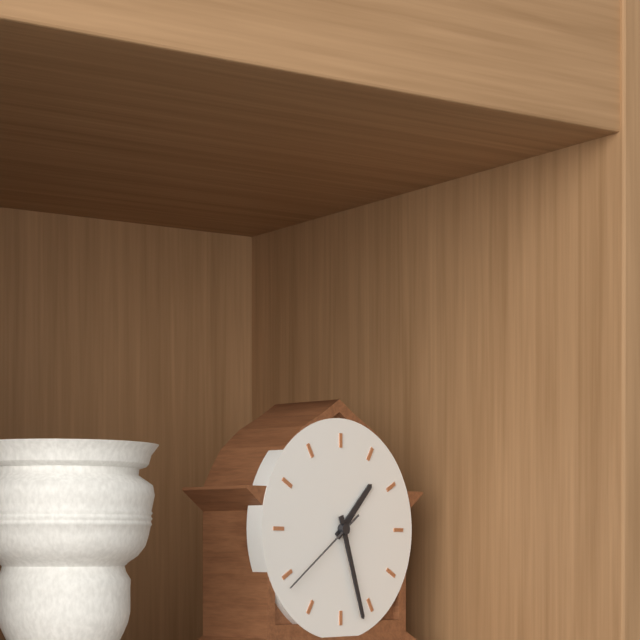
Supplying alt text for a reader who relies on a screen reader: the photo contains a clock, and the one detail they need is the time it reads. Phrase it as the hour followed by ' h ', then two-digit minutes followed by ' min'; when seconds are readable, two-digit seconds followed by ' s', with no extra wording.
1 h 27 min 39 s
